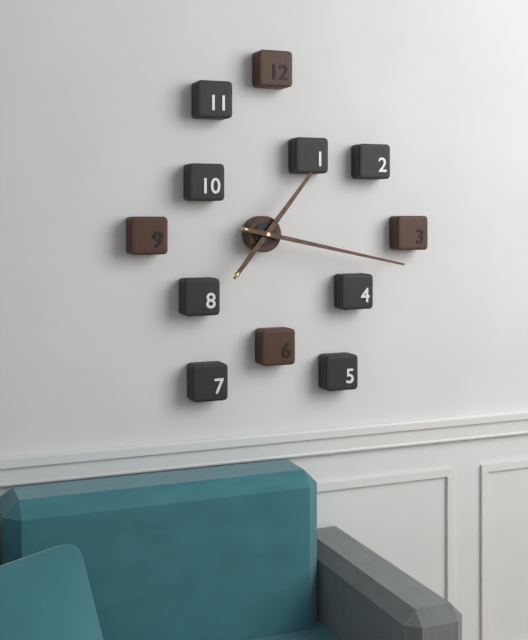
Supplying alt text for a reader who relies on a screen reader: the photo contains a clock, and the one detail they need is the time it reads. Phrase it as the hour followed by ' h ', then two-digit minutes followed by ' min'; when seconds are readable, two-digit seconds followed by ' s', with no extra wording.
1 h 17 min
